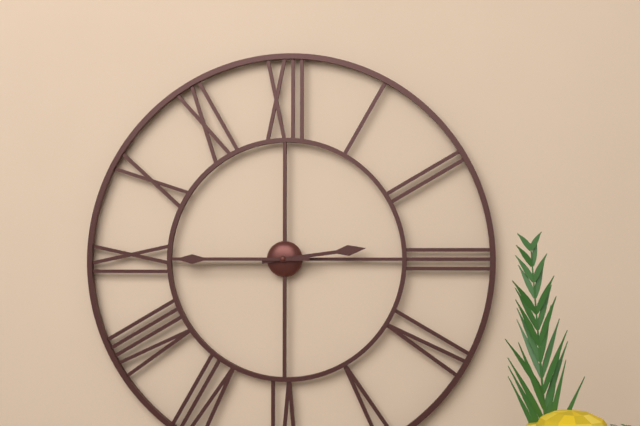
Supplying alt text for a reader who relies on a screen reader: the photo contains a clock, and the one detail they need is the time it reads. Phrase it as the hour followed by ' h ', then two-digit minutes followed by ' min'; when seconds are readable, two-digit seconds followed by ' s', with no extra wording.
2 h 45 min
